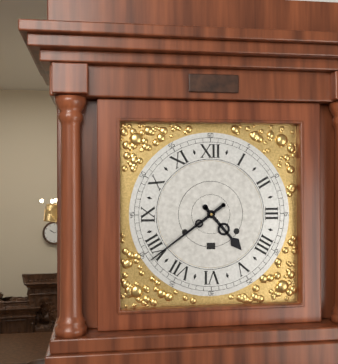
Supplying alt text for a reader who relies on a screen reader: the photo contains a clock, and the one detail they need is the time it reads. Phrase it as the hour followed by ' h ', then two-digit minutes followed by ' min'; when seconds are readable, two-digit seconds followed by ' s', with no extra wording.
4 h 39 min
